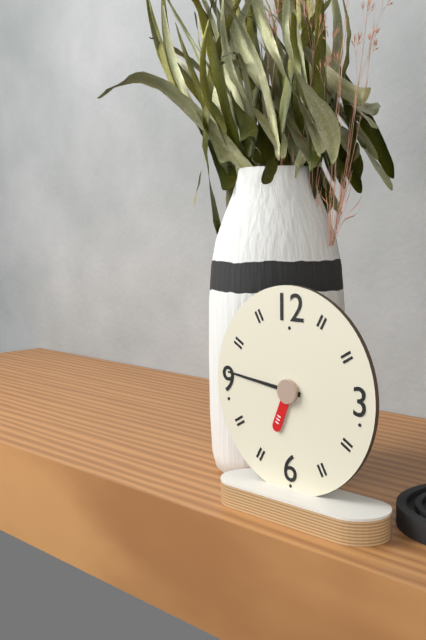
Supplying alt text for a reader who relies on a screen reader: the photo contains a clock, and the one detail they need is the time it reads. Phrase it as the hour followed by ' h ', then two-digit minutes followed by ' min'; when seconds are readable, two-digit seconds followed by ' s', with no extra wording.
6 h 46 min
